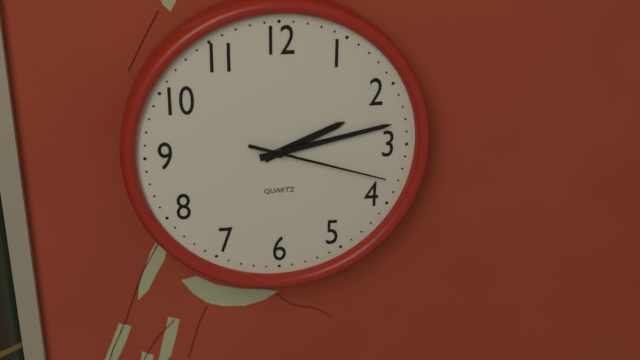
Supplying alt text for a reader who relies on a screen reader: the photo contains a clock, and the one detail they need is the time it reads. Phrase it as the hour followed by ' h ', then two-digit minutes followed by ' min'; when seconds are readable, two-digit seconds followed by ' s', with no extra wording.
2 h 13 min 18 s
